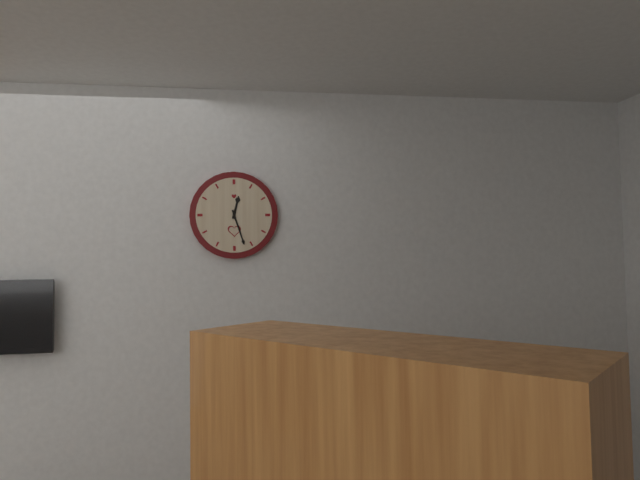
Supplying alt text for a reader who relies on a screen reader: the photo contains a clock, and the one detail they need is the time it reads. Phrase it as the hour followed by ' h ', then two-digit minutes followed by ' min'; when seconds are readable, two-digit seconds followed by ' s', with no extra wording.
12 h 27 min
